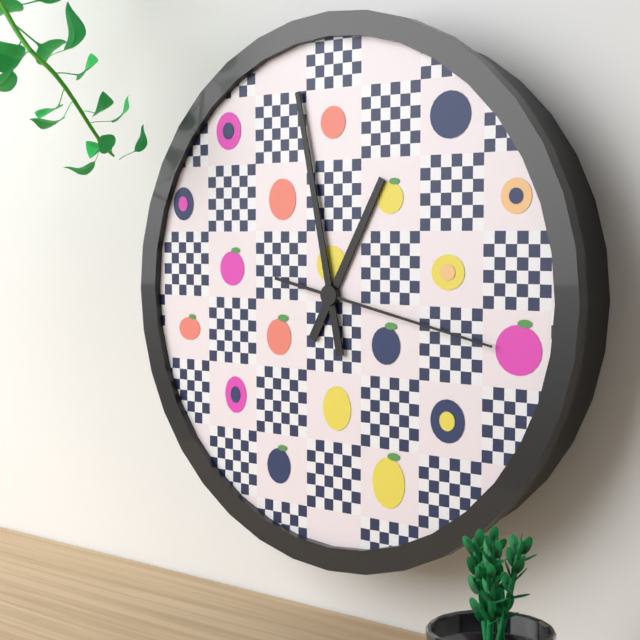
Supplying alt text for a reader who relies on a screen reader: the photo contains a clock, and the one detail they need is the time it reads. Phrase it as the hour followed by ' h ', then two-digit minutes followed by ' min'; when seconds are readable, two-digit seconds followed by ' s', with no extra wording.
12 h 58 min 17 s
